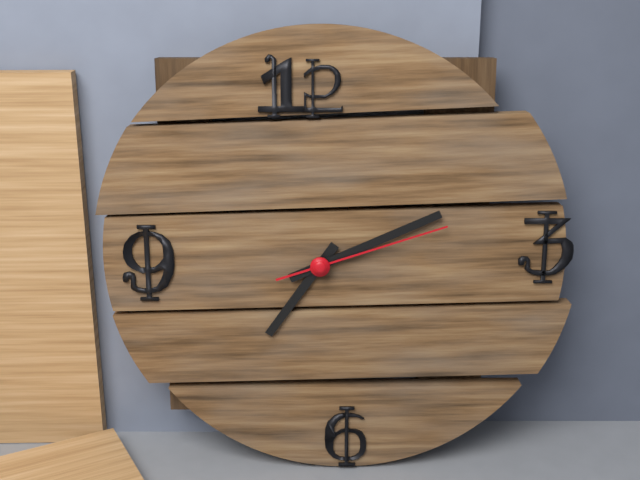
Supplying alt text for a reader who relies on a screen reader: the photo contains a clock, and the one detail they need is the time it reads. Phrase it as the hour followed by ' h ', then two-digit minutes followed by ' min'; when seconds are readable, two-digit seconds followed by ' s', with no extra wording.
7 h 11 min 12 s
